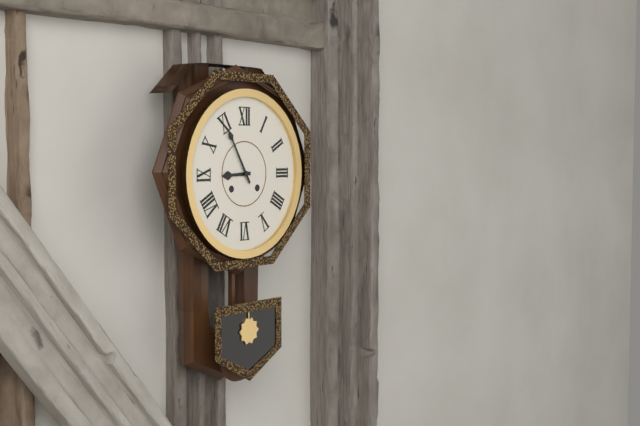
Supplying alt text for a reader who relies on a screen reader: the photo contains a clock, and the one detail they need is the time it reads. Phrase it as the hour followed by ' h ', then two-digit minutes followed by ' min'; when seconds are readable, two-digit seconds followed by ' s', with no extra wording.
8 h 55 min
